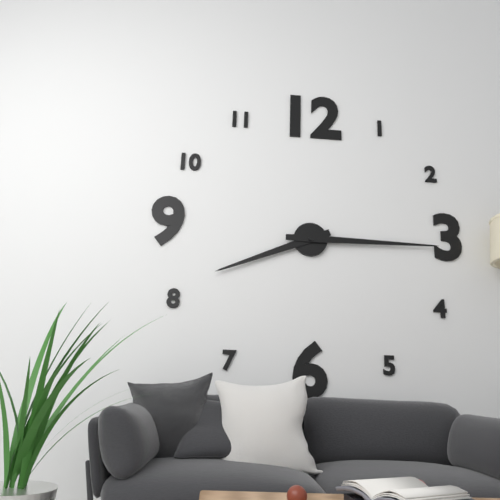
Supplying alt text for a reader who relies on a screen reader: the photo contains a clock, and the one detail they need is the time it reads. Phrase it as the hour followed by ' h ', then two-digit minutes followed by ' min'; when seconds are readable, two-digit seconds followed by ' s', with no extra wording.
8 h 15 min
